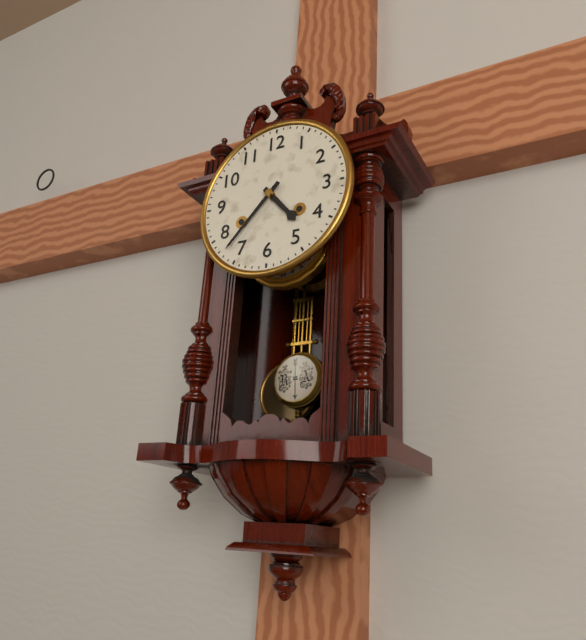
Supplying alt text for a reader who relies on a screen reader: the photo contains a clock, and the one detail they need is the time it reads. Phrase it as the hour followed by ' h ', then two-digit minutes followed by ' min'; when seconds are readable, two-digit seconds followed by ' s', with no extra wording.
4 h 37 min
